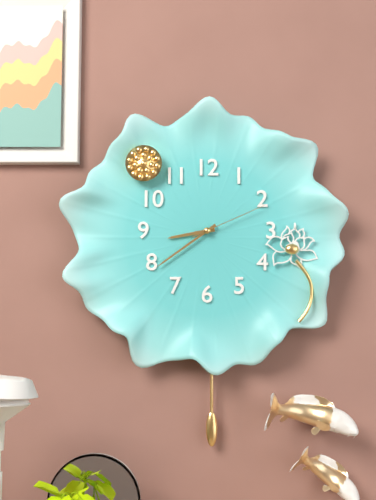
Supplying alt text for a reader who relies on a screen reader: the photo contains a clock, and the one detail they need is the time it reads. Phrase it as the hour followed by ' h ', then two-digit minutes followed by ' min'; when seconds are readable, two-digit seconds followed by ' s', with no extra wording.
8 h 39 min 11 s
